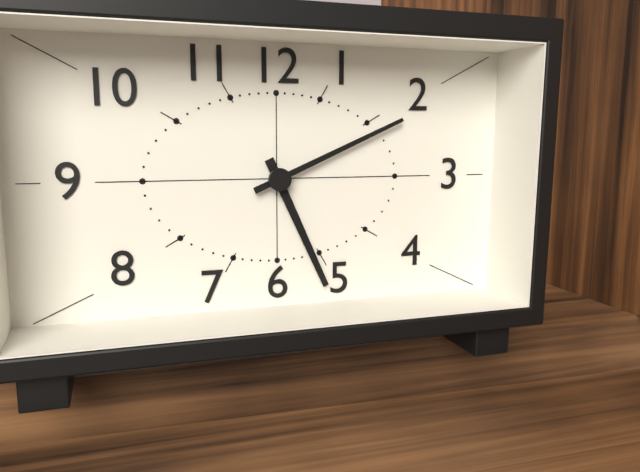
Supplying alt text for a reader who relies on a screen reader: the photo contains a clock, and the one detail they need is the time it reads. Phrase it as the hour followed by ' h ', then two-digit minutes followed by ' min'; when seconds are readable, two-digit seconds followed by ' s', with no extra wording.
5 h 11 min
